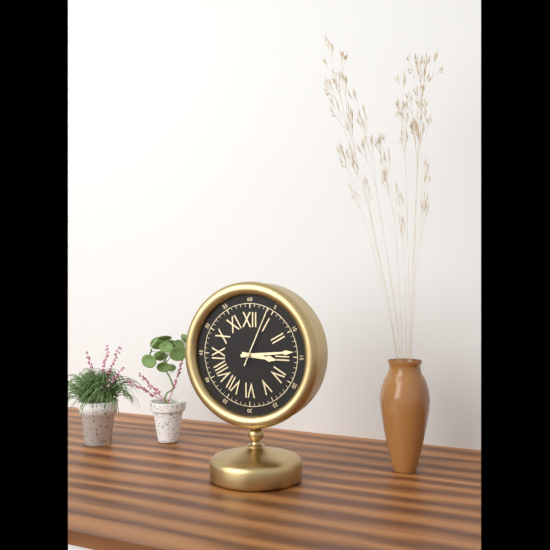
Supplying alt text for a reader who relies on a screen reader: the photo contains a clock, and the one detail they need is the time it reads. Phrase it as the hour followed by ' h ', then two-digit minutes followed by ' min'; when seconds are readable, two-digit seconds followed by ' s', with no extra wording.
3 h 14 min 04 s
